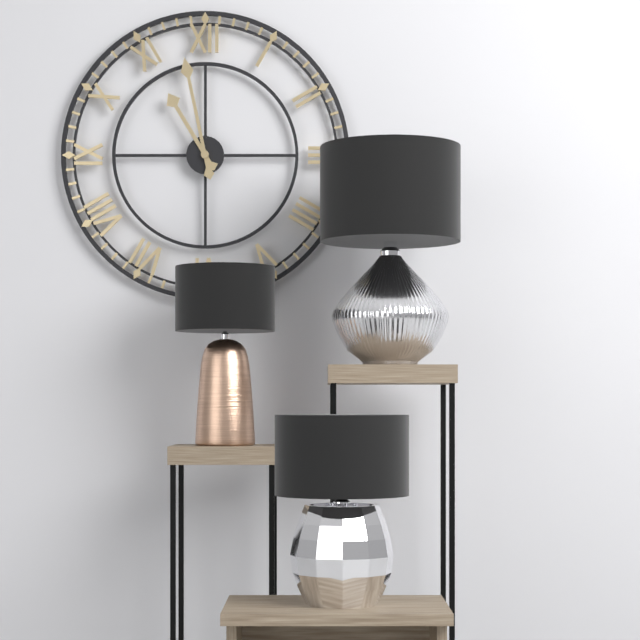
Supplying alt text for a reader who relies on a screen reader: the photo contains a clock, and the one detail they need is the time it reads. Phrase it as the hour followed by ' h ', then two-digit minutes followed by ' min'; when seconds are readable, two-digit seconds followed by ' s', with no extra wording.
10 h 58 min
